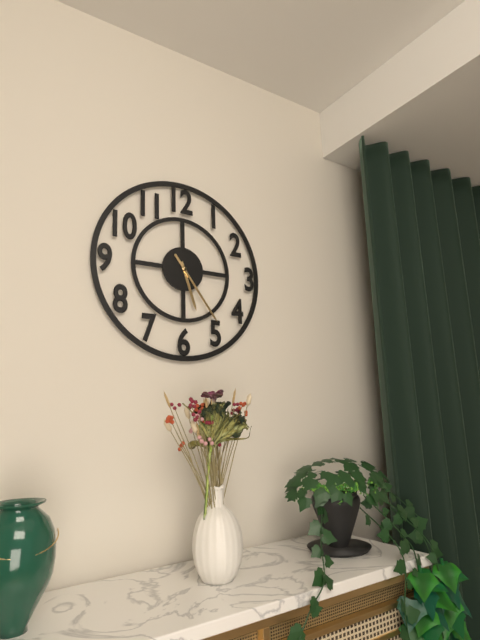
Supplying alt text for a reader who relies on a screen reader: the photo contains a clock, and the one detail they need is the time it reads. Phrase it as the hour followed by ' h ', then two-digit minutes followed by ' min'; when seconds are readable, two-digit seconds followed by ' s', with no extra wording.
5 h 24 min
